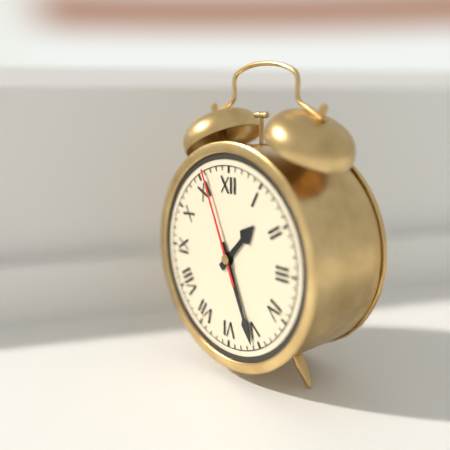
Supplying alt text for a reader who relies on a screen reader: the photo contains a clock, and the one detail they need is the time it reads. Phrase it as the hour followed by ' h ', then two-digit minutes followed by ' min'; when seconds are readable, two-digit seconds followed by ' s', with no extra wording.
1 h 26 min 56 s
